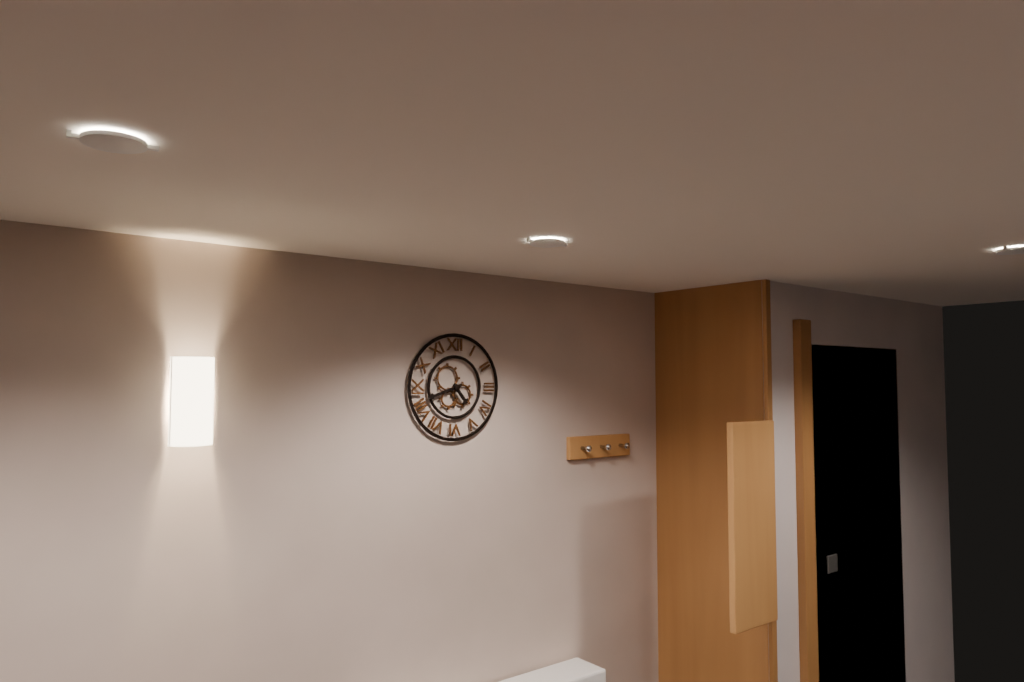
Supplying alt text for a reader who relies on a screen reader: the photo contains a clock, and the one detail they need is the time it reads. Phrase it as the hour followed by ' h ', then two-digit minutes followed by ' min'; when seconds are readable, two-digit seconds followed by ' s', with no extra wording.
4 h 42 min
